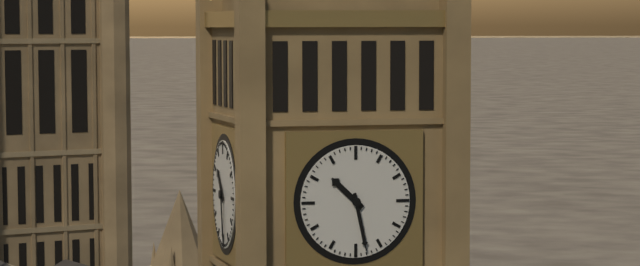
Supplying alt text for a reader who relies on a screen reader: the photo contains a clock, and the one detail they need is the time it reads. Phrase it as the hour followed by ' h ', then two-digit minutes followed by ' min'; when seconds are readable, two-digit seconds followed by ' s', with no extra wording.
10 h 28 min
